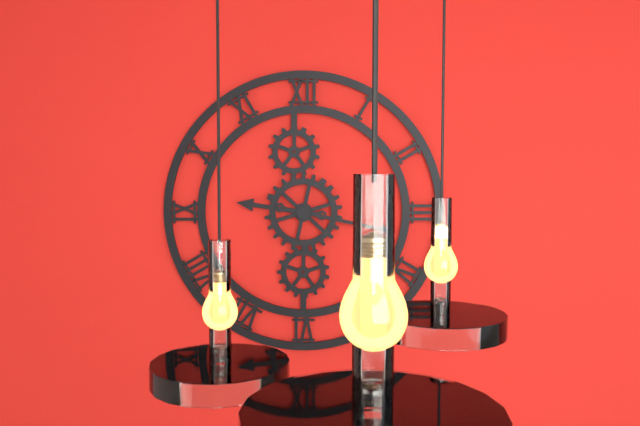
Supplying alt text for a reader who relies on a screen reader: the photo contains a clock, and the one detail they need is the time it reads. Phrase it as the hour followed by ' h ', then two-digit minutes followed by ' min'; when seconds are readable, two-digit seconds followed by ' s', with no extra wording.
9 h 17 min
